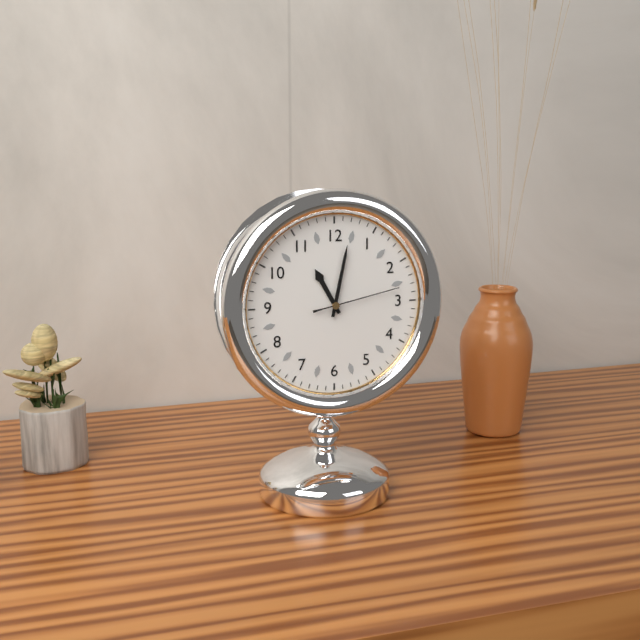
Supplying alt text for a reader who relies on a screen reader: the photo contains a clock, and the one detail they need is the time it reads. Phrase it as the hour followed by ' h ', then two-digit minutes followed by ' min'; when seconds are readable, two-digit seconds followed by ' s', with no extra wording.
11 h 02 min 13 s
